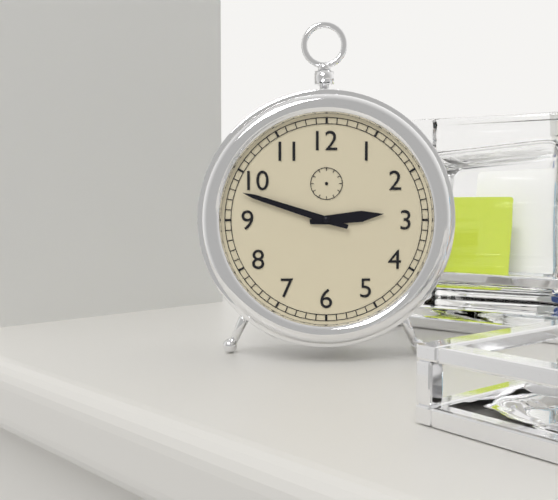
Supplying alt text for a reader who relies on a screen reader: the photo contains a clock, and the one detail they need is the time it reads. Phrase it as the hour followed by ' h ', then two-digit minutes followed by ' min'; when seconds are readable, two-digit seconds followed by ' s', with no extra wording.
2 h 48 min
